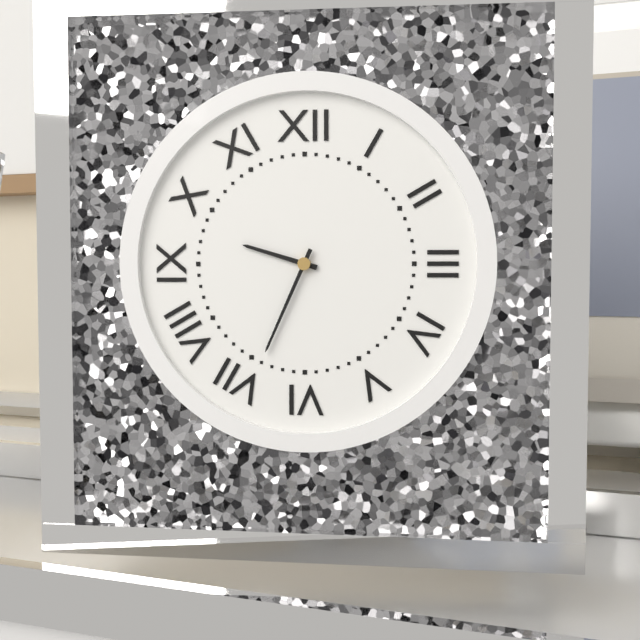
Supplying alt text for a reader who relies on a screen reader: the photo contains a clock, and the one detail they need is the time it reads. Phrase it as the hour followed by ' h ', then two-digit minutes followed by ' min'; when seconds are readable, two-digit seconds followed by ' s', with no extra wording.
9 h 34 min
